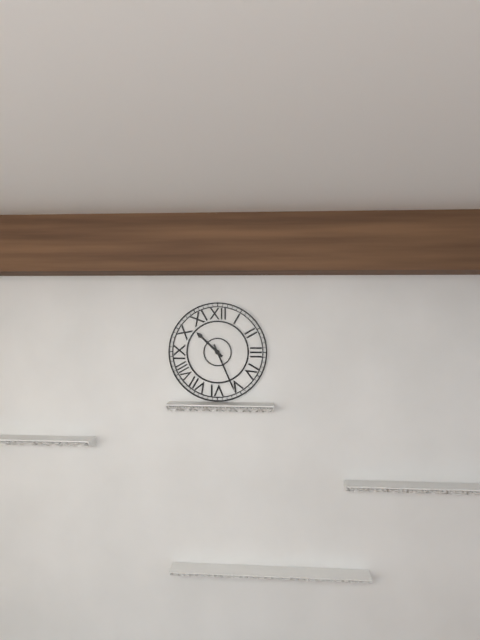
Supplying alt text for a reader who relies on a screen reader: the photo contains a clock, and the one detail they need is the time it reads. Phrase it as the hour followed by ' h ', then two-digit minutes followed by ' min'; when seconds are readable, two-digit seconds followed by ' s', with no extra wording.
10 h 26 min
